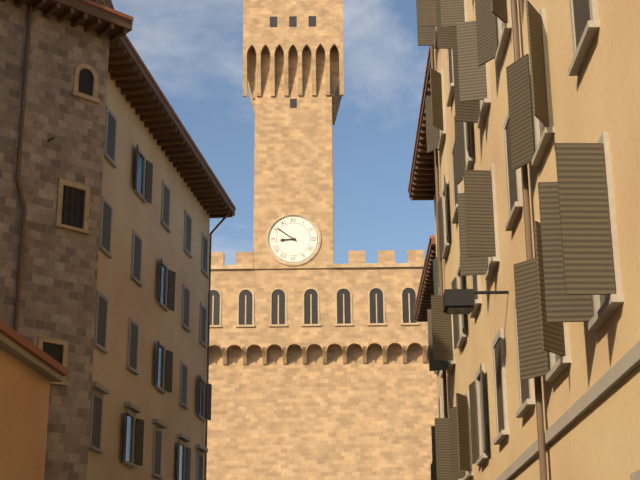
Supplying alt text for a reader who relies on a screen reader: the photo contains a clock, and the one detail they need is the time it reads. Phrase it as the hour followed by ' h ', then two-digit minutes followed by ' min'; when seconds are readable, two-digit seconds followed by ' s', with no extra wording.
8 h 51 min
